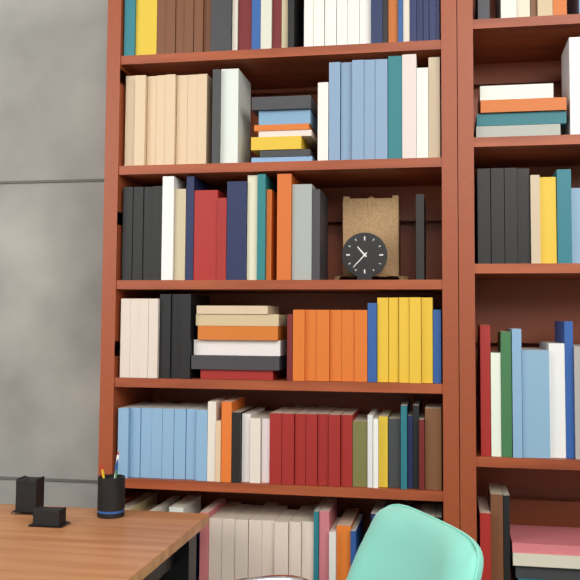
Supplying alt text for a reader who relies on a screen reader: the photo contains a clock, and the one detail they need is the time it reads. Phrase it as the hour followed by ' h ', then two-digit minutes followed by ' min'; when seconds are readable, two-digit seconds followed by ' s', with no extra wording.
10 h 37 min
